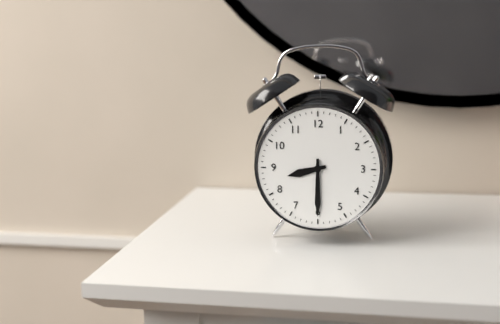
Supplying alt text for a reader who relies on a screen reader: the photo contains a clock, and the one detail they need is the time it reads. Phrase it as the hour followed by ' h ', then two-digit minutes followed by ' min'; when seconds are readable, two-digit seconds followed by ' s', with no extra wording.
8 h 30 min
